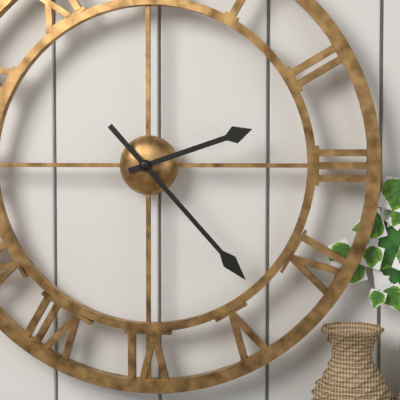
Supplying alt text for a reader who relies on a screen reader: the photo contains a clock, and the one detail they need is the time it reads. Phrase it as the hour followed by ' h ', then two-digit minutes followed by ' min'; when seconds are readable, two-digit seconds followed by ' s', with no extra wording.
2 h 23 min
